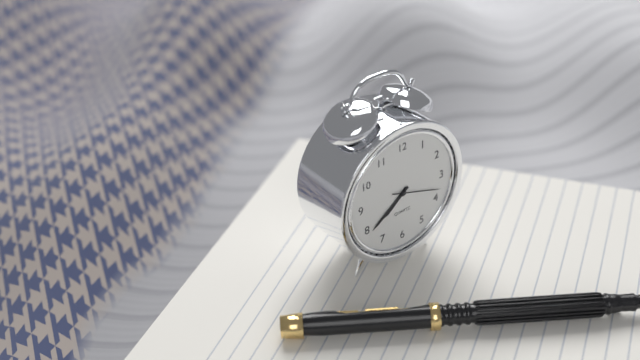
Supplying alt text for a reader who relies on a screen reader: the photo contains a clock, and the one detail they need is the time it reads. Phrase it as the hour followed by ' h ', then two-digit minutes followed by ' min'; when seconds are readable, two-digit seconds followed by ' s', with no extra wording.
7 h 39 min
